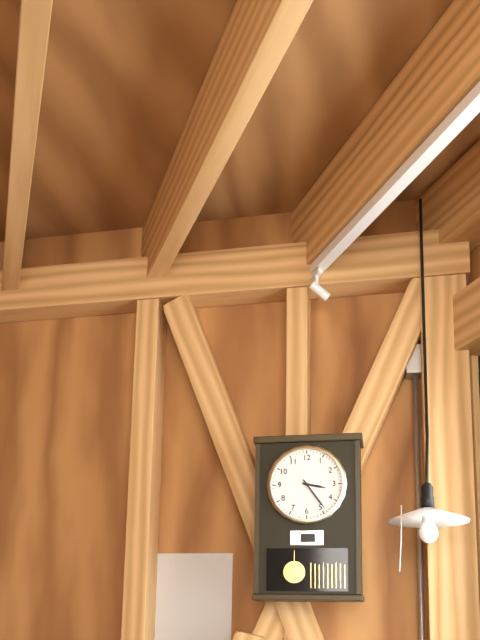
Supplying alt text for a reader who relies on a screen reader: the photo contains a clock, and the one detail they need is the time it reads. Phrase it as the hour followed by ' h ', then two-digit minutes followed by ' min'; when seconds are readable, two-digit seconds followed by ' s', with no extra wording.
3 h 24 min
